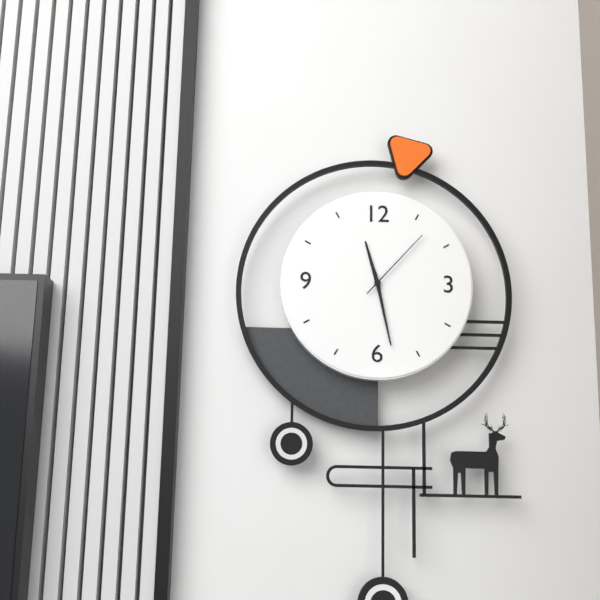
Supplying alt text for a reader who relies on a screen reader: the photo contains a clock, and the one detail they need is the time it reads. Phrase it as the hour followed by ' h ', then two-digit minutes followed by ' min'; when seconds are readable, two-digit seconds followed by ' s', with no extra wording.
11 h 28 min 07 s
